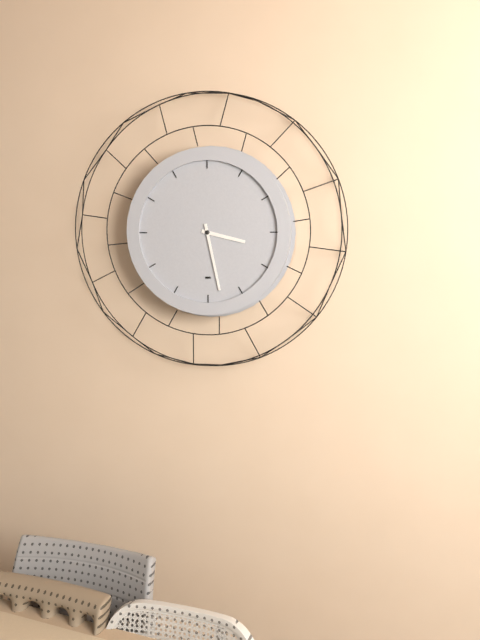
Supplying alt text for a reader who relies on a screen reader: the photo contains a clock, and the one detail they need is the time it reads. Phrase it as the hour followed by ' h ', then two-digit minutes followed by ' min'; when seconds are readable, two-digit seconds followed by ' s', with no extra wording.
3 h 28 min
